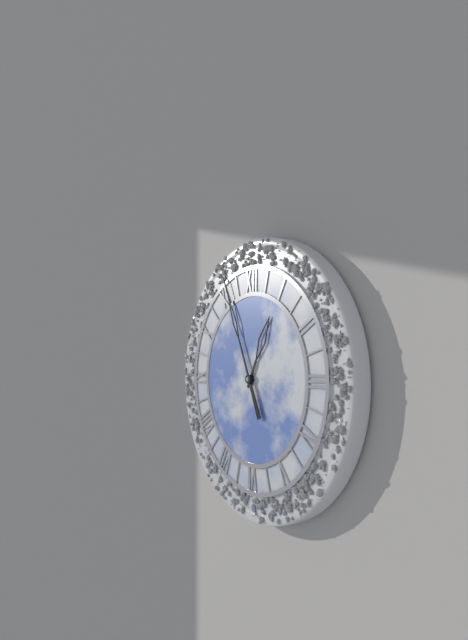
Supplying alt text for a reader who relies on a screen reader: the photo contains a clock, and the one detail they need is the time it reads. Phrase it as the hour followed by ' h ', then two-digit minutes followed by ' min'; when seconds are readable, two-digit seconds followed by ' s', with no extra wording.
12 h 56 min
